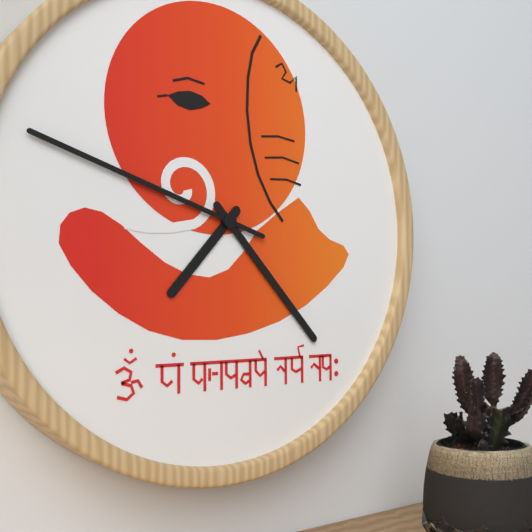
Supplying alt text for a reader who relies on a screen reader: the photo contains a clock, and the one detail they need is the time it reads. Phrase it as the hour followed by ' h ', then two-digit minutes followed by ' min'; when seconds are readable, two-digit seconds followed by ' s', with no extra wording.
7 h 23 min 48 s
